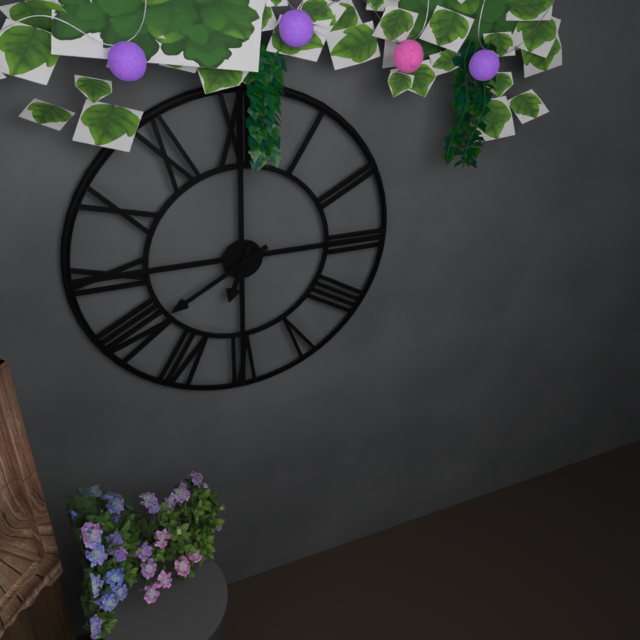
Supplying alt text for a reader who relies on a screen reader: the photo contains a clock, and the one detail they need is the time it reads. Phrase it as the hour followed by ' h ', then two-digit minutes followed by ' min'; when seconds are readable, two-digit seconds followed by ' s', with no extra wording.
6 h 40 min
